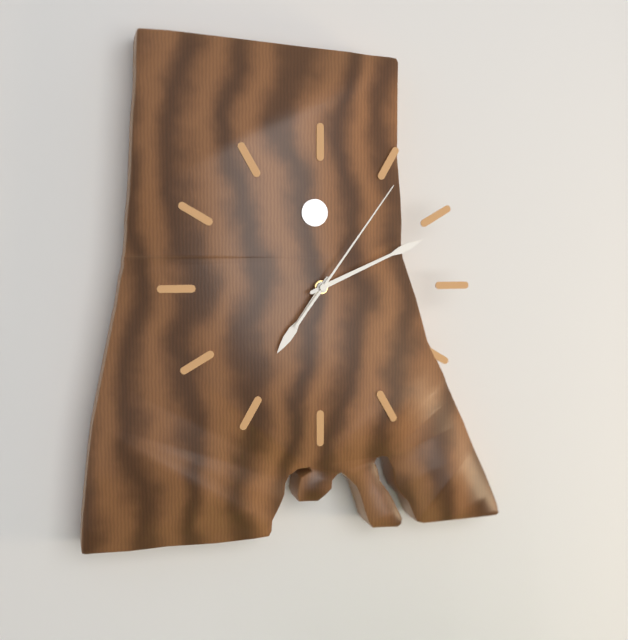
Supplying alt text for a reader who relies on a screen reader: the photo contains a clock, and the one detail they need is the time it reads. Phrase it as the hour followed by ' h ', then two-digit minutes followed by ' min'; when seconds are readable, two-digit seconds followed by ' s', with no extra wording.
7 h 11 min 06 s
